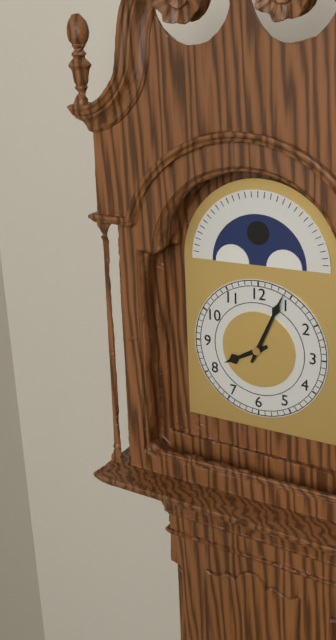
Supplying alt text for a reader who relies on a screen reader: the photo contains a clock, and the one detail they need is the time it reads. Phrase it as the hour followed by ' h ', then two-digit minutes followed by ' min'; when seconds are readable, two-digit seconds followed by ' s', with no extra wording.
8 h 04 min
